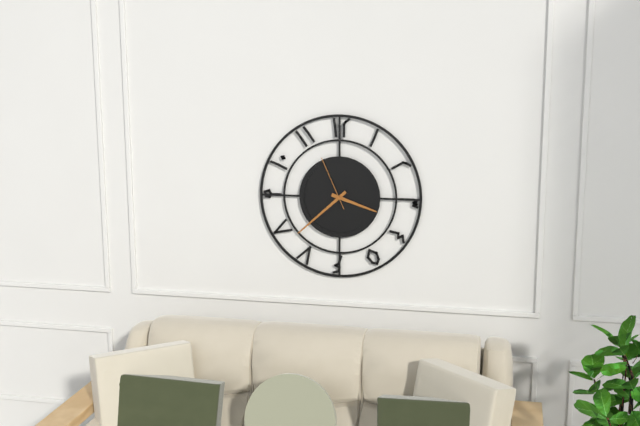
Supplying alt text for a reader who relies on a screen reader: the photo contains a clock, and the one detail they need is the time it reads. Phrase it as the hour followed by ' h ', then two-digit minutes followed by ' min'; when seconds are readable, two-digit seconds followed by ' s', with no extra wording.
3 h 38 min 56 s
